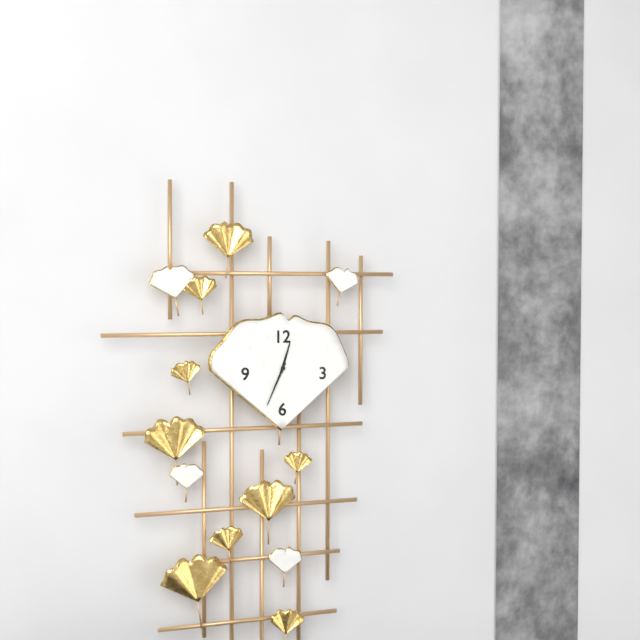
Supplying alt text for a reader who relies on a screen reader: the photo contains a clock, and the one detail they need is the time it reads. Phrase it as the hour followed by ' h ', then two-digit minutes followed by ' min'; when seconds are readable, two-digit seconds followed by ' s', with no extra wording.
12 h 34 min
